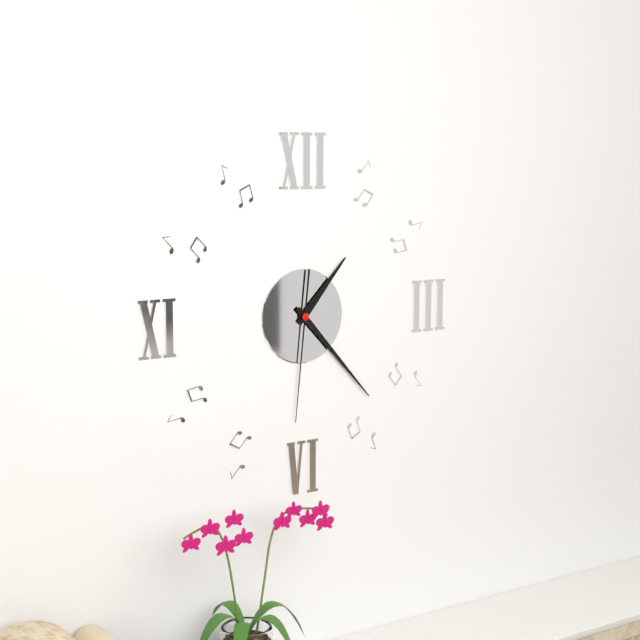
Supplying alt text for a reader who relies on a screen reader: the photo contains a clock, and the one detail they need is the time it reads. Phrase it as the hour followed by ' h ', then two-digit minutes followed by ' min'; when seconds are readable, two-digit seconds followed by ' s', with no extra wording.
1 h 23 min 31 s
